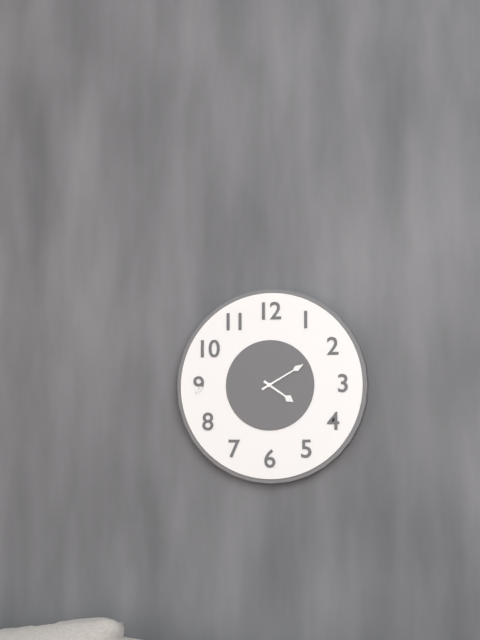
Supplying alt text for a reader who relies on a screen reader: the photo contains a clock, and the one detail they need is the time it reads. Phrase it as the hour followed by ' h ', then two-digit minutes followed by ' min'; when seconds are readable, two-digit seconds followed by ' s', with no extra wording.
4 h 10 min
